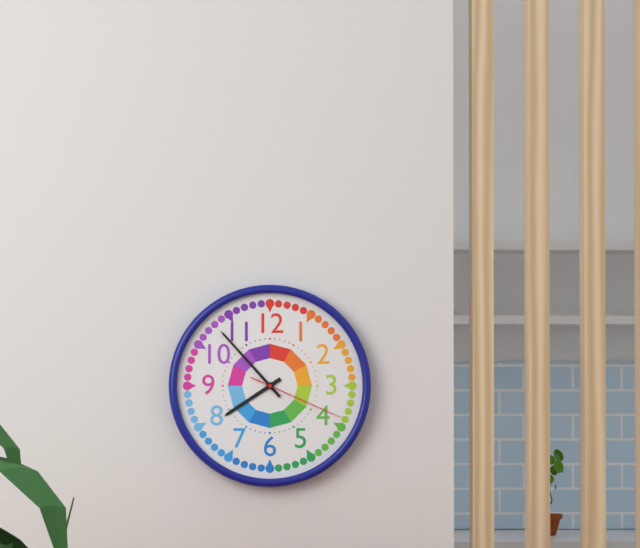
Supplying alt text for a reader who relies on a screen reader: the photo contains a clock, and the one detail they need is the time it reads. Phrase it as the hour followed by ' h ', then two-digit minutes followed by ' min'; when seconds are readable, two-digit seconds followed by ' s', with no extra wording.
7 h 53 min 19 s
